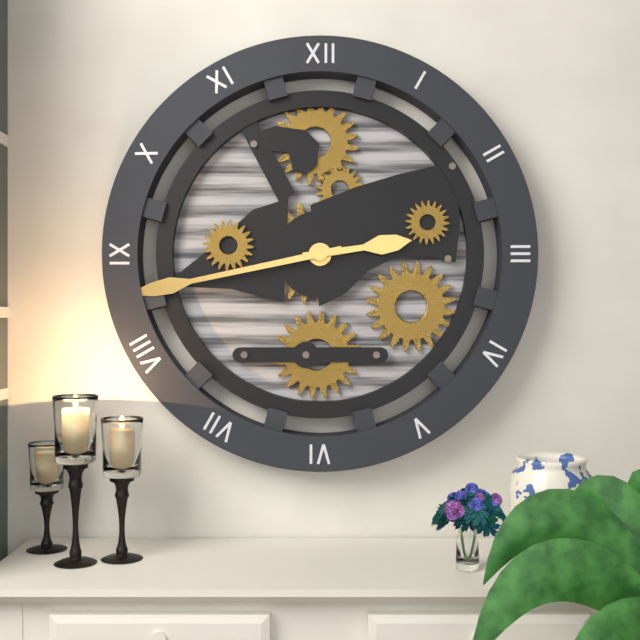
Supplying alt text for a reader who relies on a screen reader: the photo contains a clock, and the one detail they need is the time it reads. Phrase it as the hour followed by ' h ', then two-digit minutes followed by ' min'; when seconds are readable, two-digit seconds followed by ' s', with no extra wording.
2 h 43 min
